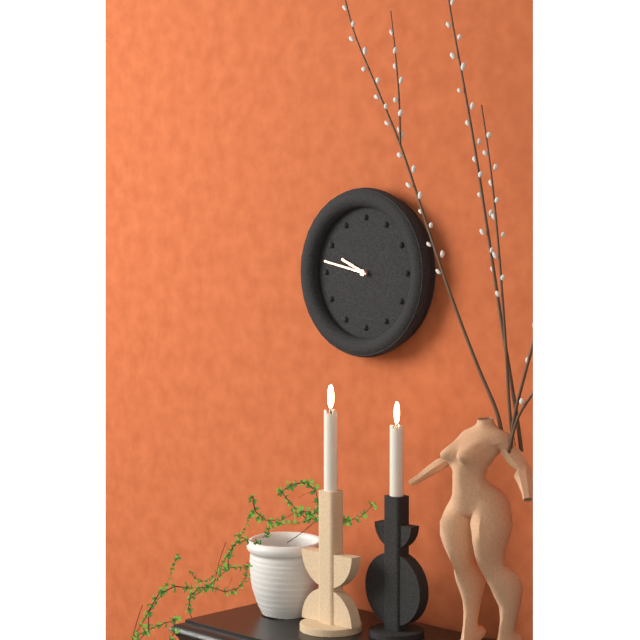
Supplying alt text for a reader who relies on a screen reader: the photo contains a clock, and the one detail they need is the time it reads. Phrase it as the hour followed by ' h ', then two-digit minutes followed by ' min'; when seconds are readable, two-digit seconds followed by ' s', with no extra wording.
9 h 47 min
